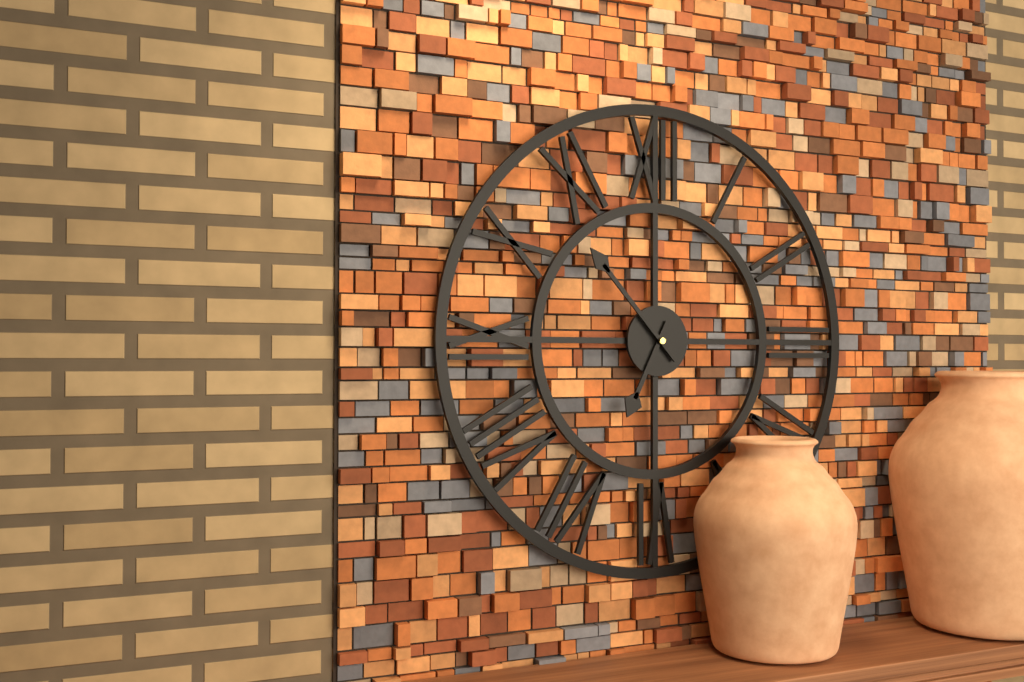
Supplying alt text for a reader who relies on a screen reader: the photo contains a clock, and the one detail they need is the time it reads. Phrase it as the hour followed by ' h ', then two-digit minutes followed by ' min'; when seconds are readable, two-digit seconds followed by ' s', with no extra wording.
6 h 53 min
